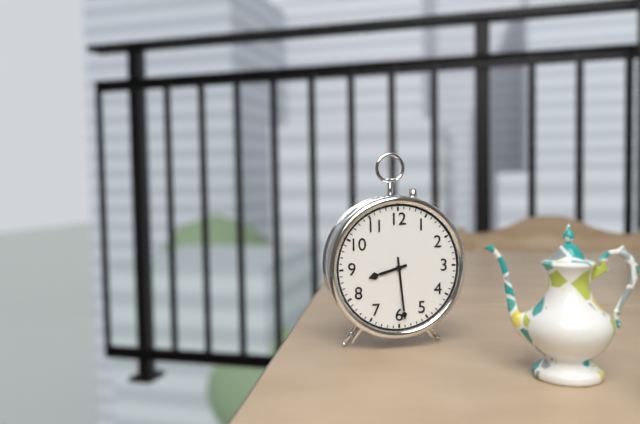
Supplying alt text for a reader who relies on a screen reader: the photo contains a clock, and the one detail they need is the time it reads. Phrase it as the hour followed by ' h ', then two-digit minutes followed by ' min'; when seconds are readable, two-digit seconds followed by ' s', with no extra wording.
8 h 29 min
